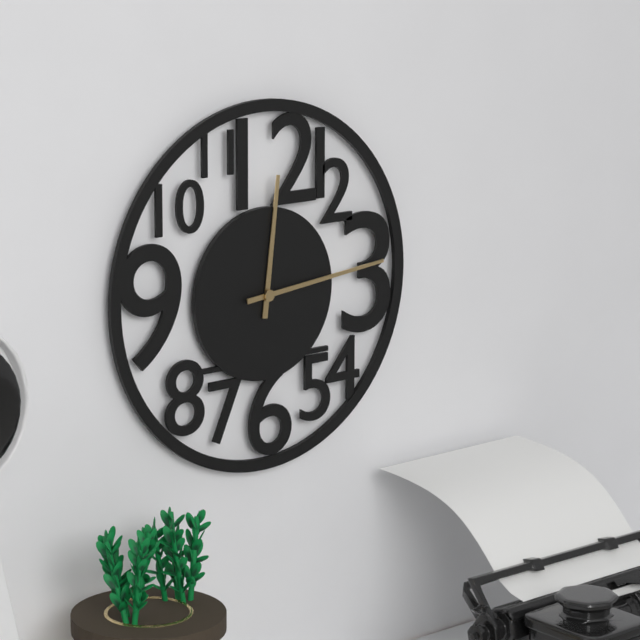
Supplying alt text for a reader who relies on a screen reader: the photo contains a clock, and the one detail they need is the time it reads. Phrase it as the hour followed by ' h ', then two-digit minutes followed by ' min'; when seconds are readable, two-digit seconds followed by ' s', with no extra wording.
12 h 14 min
